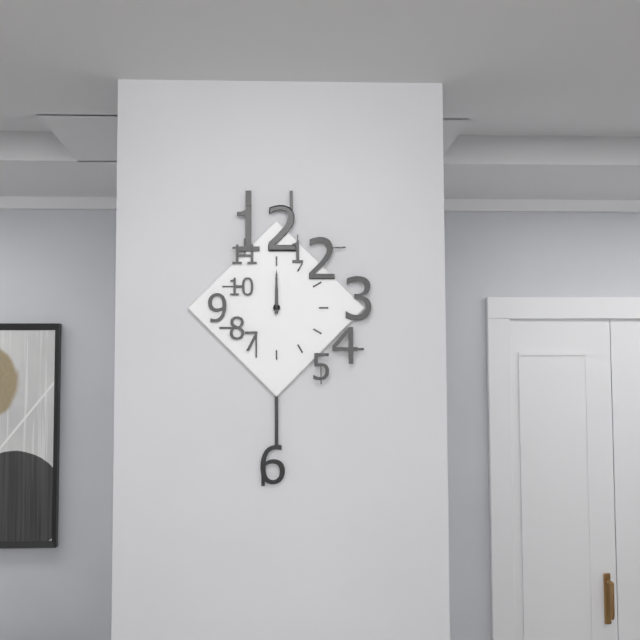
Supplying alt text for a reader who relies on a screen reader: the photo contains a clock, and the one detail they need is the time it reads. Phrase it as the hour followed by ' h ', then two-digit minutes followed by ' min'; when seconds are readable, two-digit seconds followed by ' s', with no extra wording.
12 h 00 min
